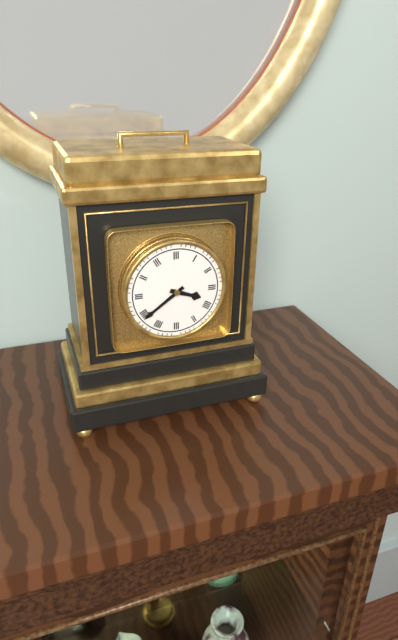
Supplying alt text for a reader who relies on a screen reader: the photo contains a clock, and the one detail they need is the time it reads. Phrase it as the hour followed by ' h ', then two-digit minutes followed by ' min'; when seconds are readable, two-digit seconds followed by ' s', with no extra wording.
3 h 39 min
